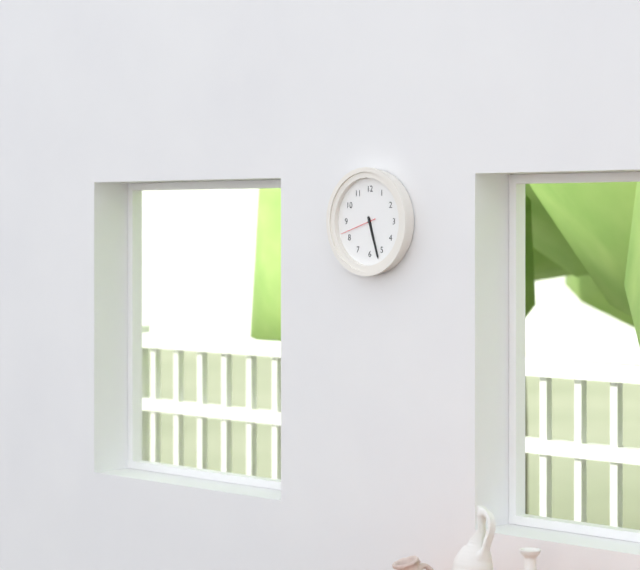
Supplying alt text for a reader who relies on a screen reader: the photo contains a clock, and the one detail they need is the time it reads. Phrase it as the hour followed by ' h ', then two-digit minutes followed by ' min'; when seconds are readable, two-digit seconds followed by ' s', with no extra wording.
5 h 27 min
